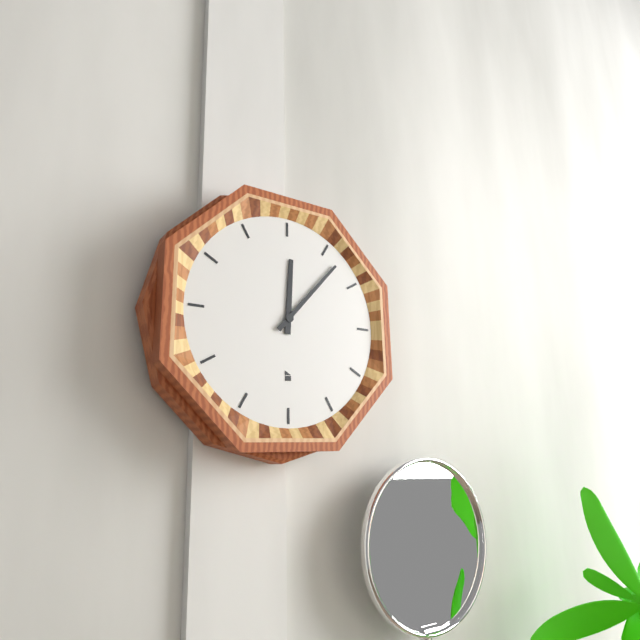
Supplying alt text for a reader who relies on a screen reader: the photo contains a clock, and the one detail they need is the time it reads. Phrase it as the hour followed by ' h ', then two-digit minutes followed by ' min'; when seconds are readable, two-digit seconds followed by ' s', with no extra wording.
12 h 07 min
